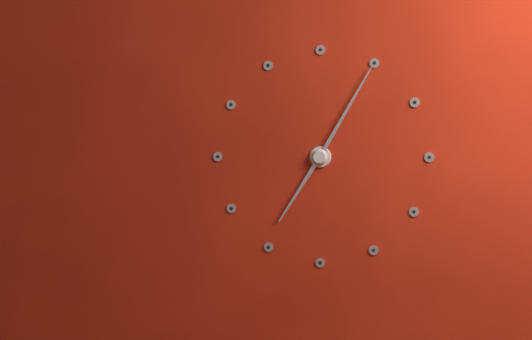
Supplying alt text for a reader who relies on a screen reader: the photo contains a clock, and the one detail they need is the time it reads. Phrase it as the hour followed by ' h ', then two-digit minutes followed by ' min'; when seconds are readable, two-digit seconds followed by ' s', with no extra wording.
7 h 05 min
